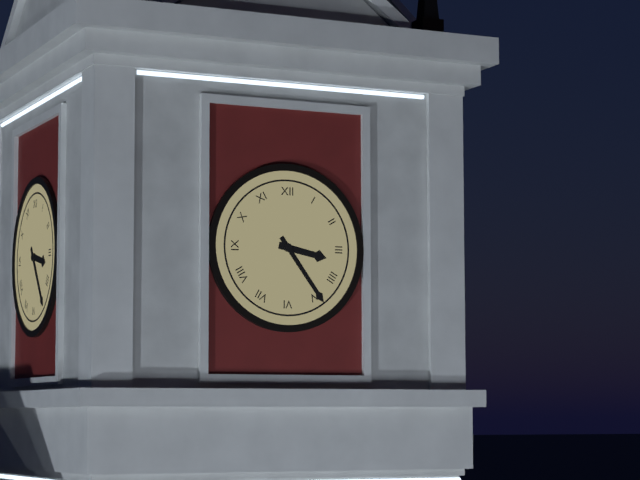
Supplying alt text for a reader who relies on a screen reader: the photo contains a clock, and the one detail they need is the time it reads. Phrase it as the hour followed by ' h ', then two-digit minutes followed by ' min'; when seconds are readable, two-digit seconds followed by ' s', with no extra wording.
3 h 24 min
